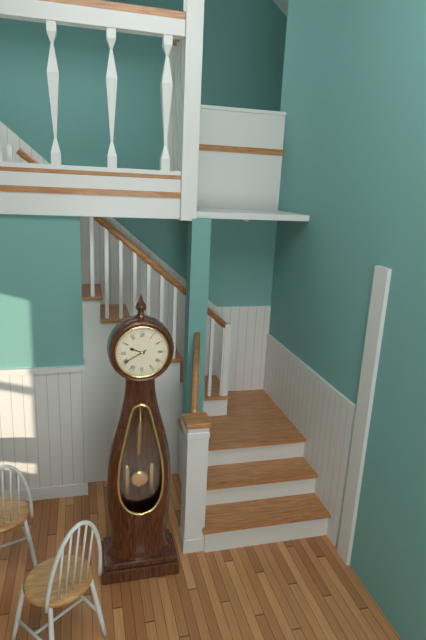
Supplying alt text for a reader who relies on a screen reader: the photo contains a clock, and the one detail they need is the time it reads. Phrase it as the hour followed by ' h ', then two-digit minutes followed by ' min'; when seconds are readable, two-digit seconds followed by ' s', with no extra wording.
9 h 40 min
